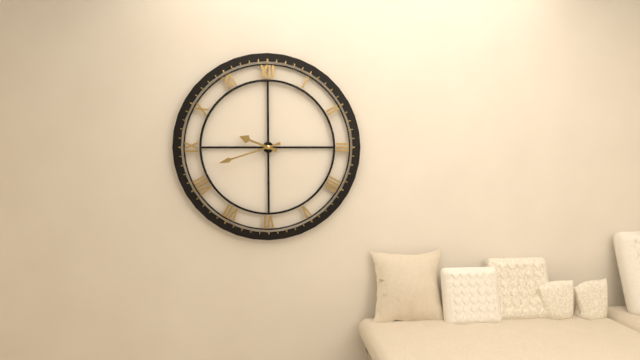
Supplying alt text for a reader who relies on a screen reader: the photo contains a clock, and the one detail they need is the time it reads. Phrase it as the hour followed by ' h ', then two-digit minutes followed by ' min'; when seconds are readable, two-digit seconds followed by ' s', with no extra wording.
9 h 42 min
